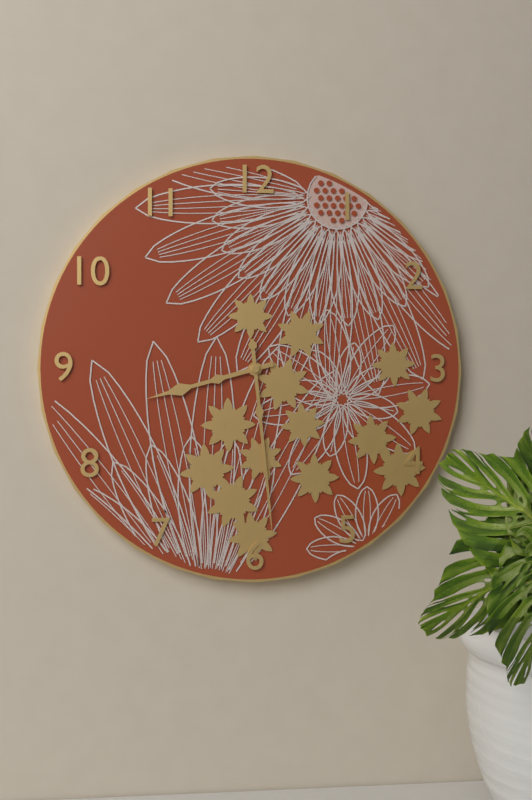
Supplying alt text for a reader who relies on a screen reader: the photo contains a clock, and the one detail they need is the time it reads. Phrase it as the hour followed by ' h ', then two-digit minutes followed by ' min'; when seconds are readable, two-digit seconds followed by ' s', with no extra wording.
8 h 29 min
